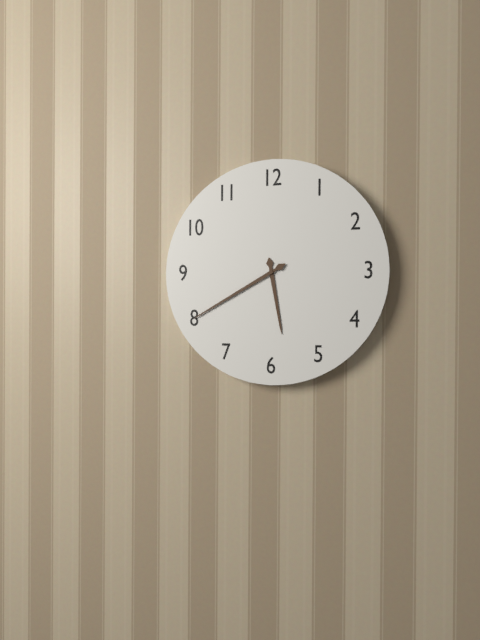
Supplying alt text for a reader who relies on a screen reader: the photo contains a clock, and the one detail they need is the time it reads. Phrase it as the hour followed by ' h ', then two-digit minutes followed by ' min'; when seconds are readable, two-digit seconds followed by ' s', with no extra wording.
5 h 40 min
